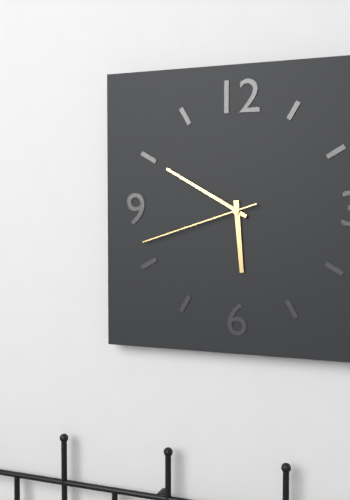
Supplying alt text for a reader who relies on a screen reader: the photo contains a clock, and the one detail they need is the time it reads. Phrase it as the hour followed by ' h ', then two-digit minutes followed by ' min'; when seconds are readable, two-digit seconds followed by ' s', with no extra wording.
5 h 50 min 42 s
